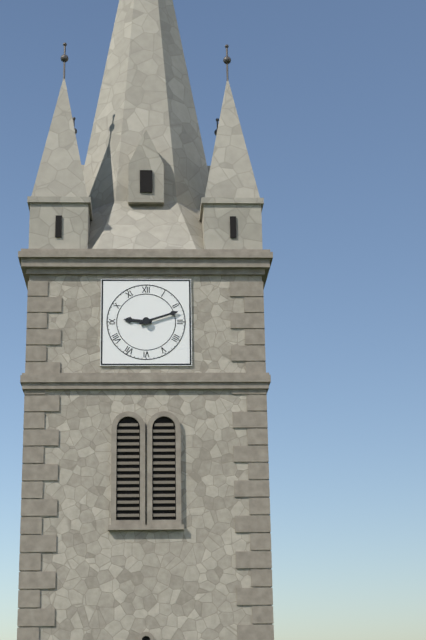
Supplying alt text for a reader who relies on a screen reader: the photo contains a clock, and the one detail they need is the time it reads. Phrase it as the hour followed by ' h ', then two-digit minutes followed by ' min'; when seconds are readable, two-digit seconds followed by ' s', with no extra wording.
9 h 12 min
